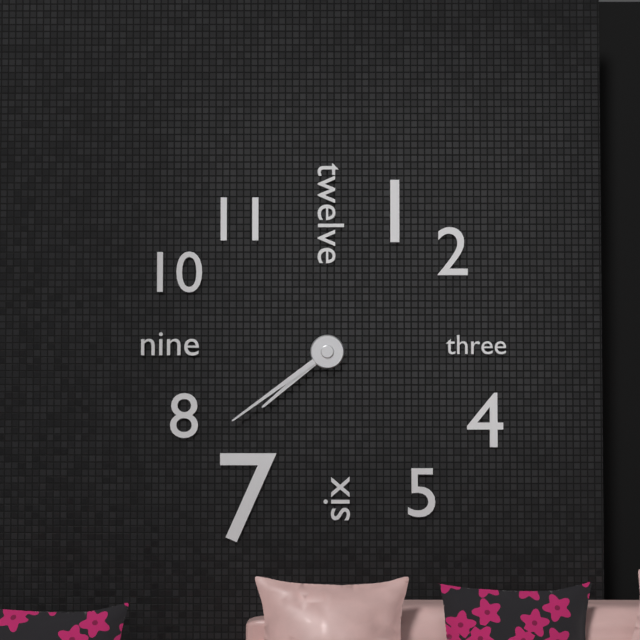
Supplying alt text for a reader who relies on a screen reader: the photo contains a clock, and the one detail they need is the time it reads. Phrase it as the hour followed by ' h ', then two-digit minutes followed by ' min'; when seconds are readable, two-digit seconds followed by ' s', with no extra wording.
7 h 39 min
